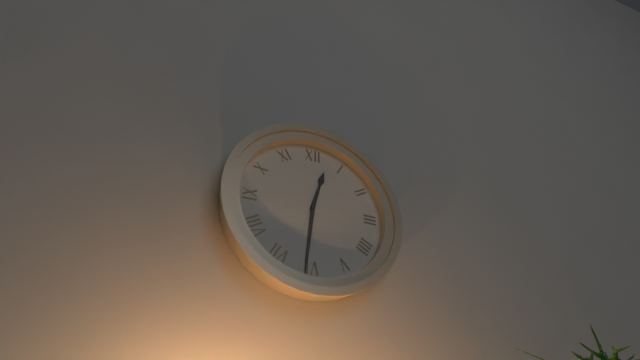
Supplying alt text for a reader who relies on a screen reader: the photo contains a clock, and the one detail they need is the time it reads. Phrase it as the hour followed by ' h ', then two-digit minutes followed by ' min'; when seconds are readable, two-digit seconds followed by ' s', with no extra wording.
12 h 31 min
